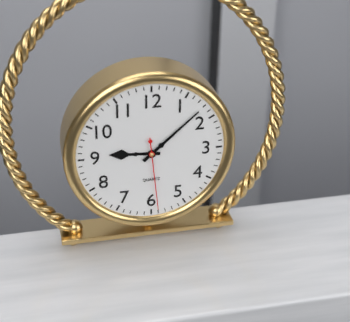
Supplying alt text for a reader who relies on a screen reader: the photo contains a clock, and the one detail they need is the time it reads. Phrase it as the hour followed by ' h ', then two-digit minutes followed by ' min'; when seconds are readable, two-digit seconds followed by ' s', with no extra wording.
9 h 08 min 29 s
